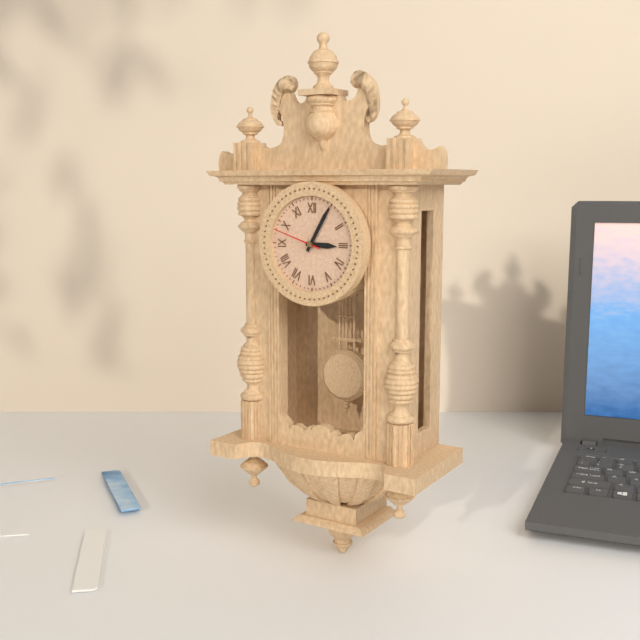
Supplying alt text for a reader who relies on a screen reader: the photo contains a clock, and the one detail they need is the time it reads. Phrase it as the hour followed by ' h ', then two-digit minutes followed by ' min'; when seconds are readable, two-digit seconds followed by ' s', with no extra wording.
3 h 05 min 48 s
